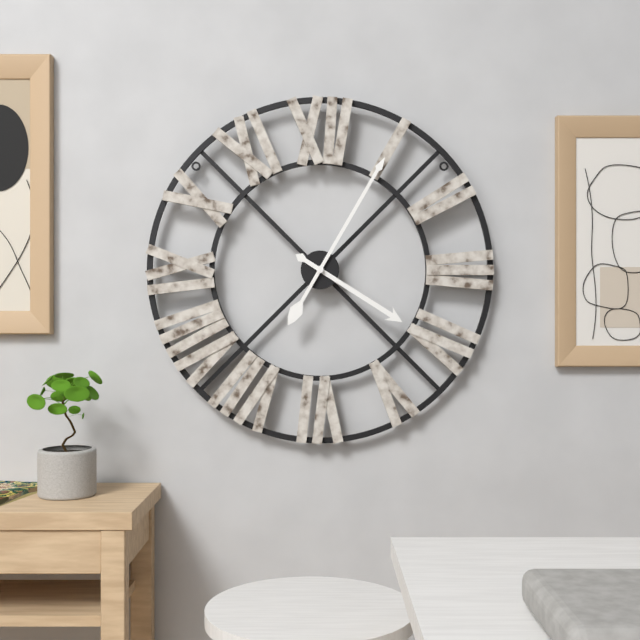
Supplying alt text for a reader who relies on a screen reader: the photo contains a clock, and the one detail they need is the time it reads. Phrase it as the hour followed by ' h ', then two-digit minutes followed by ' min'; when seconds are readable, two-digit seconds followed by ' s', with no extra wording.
4 h 05 min
